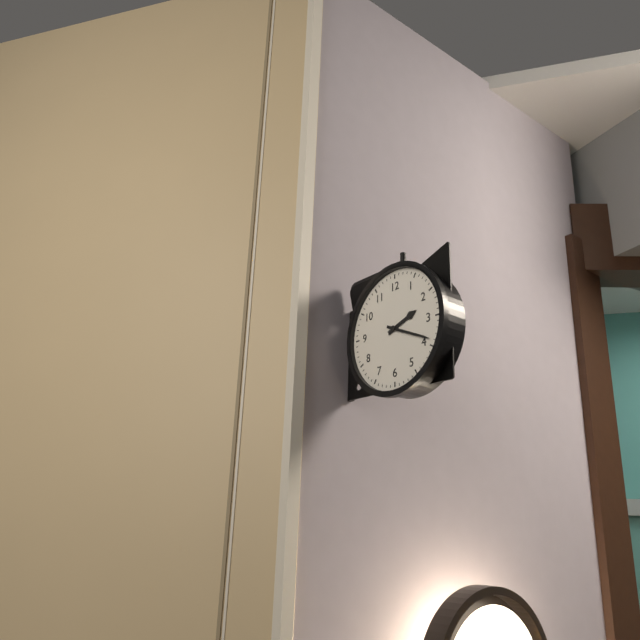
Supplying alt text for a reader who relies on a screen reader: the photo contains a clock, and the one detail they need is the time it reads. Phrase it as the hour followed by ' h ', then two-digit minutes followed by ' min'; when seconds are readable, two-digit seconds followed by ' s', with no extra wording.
2 h 19 min
